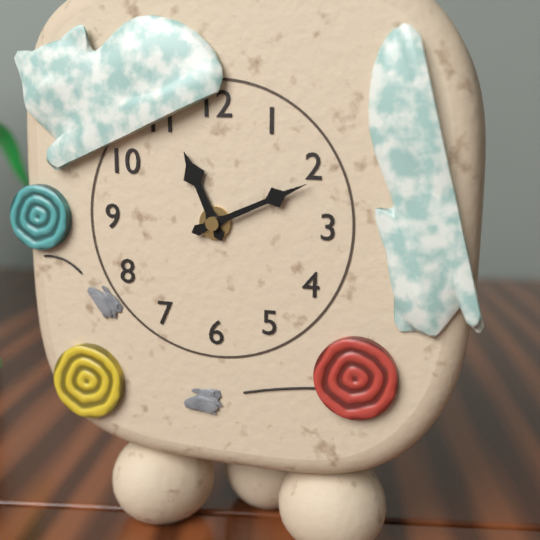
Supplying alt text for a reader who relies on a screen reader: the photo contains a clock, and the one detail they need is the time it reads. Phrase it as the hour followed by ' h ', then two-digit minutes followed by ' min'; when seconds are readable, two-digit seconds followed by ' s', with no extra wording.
11 h 11 min
